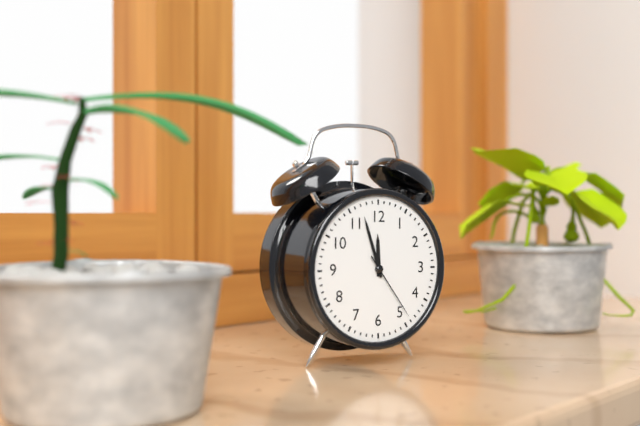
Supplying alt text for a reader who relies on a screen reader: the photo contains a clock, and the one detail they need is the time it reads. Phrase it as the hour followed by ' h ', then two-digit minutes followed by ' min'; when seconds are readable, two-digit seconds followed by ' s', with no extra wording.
11 h 57 min 24 s
